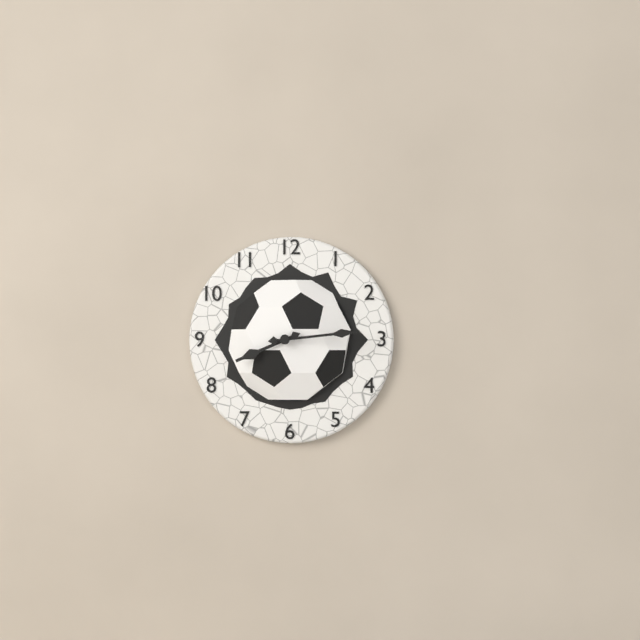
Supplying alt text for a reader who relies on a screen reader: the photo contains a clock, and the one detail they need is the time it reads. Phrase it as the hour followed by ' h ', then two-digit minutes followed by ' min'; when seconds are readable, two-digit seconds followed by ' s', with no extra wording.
8 h 14 min
